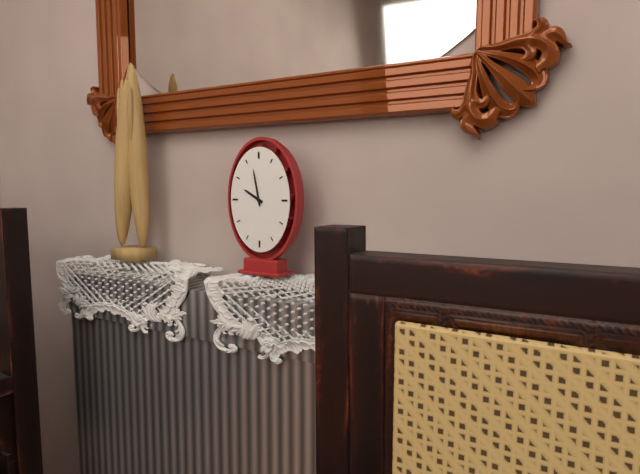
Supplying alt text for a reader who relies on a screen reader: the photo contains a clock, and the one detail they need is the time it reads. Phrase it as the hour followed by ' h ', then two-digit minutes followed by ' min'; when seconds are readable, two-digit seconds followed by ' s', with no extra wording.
9 h 58 min
